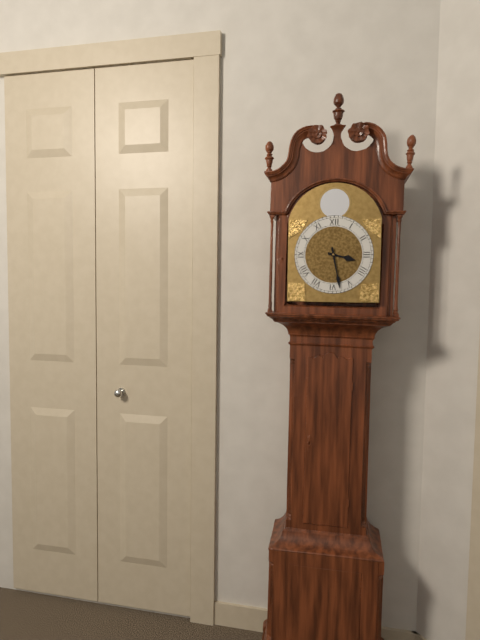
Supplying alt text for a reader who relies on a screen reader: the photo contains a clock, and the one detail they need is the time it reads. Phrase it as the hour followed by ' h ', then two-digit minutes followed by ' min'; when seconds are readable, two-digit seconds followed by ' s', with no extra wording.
3 h 28 min
